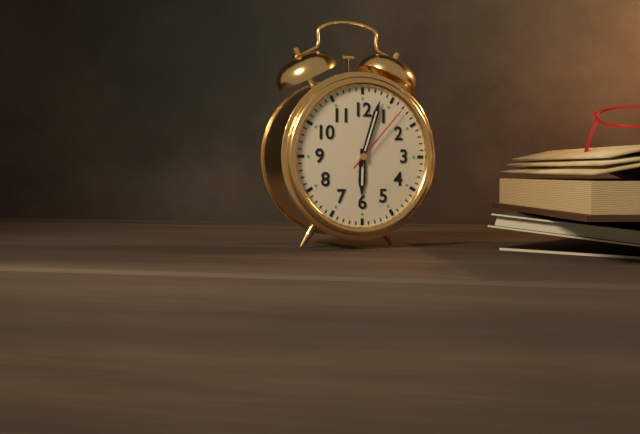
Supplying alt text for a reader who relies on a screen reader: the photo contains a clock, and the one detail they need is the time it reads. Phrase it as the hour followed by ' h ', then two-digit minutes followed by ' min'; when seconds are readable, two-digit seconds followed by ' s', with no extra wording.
6 h 03 min 07 s
